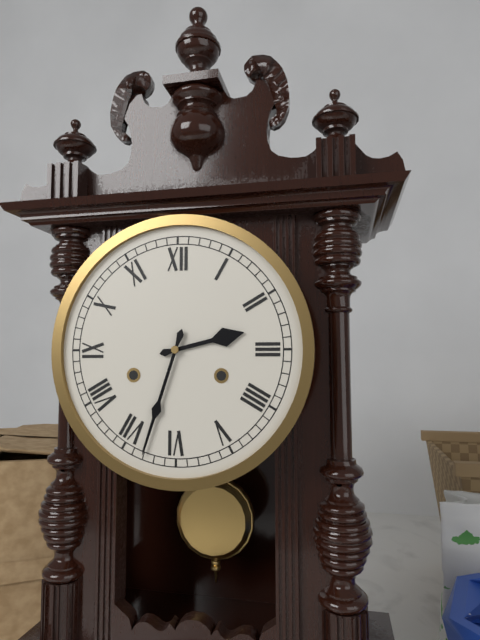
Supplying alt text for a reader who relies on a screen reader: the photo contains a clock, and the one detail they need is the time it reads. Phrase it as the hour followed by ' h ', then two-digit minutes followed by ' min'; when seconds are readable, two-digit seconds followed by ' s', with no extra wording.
2 h 33 min
